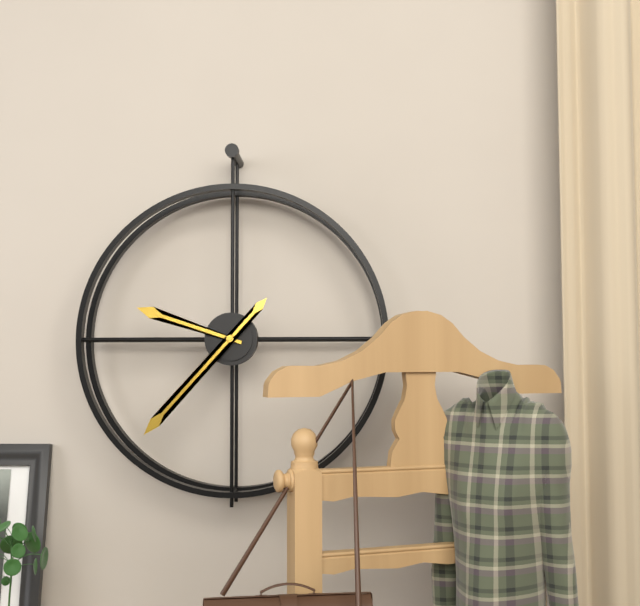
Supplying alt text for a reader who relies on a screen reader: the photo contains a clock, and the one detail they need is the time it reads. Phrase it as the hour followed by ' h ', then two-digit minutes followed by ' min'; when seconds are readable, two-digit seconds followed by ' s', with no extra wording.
9 h 37 min
